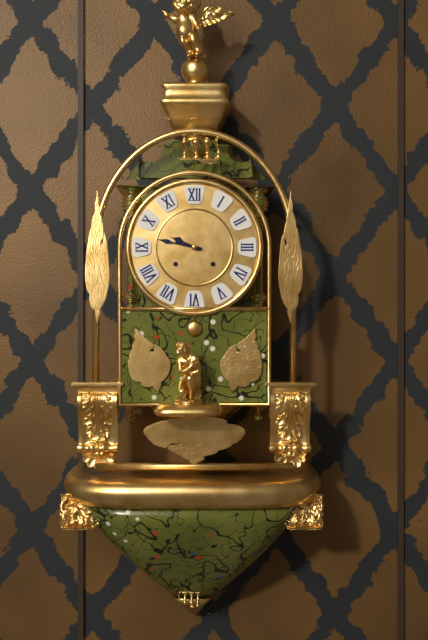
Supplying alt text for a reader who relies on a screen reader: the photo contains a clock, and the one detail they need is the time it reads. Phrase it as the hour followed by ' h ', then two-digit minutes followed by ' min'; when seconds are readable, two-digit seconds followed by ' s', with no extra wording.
9 h 47 min
